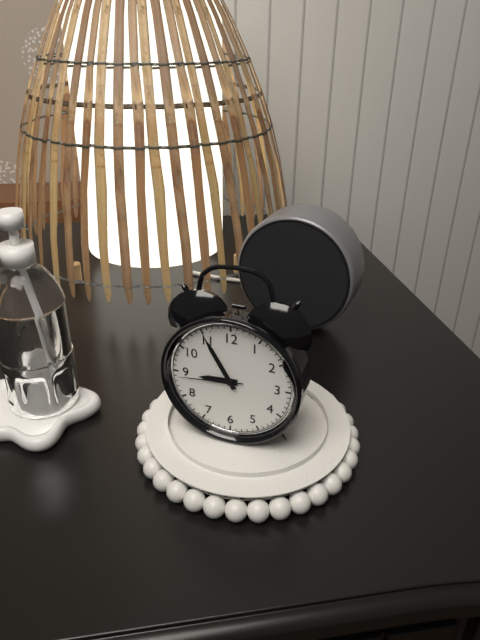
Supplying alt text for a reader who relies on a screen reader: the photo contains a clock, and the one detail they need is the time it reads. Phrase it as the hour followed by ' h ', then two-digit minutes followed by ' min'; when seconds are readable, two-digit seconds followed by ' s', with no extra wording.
8 h 55 min 44 s
